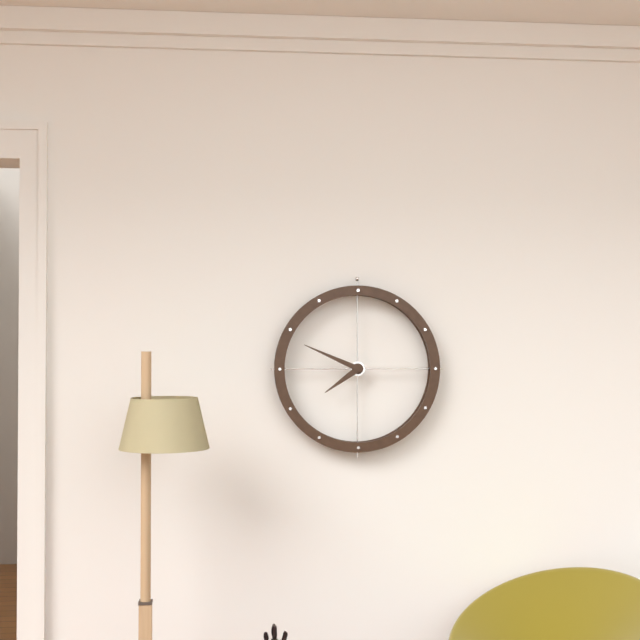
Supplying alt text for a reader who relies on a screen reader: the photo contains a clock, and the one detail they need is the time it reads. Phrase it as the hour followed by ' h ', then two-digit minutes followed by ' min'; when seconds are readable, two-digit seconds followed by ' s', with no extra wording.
7 h 49 min
